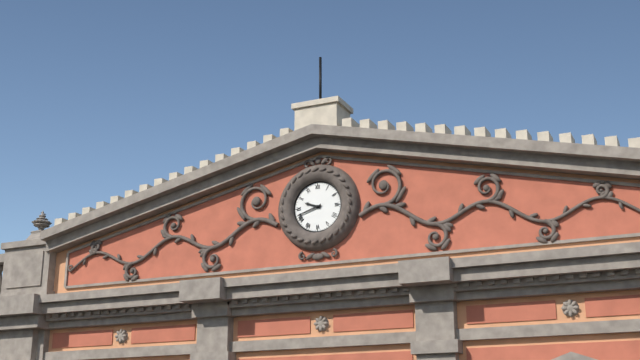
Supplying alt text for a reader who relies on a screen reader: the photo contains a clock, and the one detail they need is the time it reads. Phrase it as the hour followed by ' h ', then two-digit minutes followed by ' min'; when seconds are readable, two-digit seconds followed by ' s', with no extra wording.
9 h 42 min
